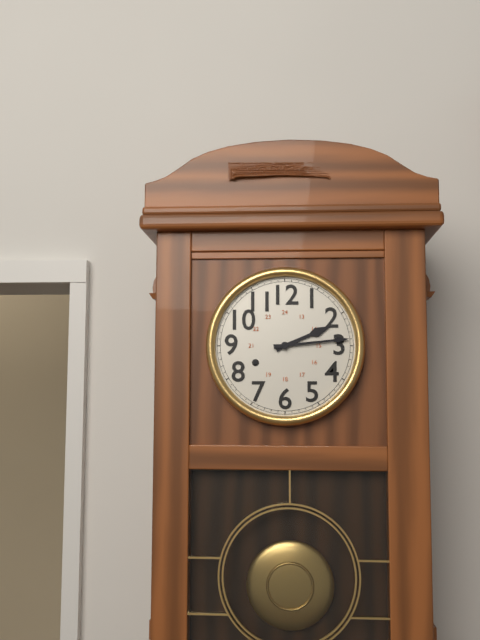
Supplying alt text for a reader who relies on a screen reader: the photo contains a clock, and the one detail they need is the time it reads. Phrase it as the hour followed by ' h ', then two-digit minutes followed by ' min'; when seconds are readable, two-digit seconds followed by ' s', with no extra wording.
2 h 14 min
